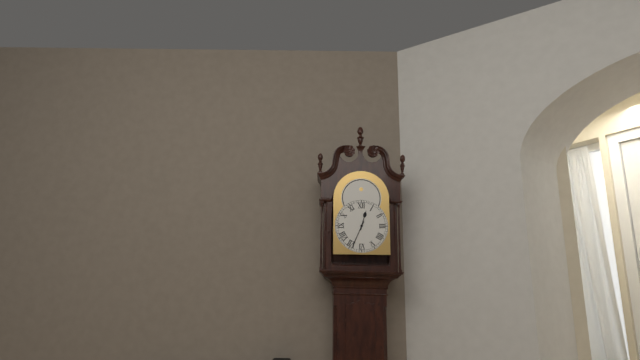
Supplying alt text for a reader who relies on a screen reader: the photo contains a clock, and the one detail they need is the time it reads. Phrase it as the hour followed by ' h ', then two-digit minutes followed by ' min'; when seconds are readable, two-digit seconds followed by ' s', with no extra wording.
12 h 34 min
